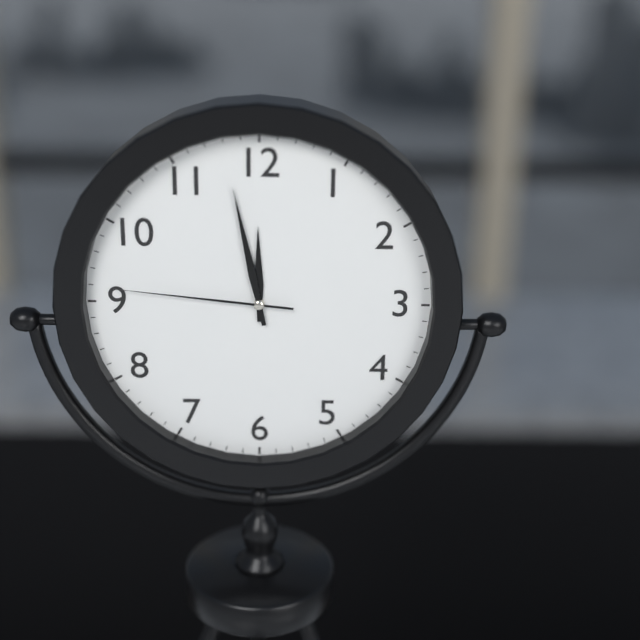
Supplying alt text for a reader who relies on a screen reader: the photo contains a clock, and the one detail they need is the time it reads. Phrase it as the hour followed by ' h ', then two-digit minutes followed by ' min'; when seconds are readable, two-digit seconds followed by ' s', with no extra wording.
11 h 58 min 46 s
